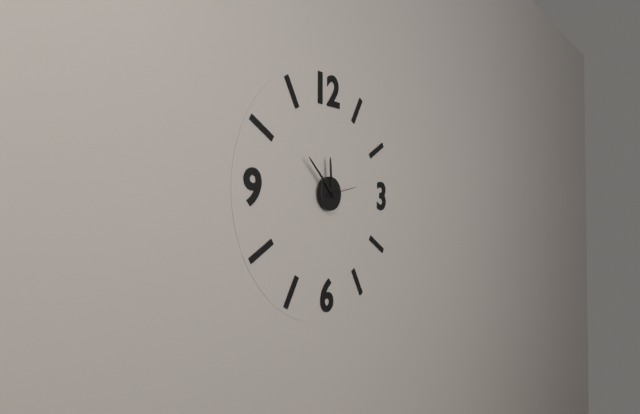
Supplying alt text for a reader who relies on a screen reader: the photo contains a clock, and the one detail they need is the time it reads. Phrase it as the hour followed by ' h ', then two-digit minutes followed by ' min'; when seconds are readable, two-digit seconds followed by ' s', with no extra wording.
11 h 52 min
